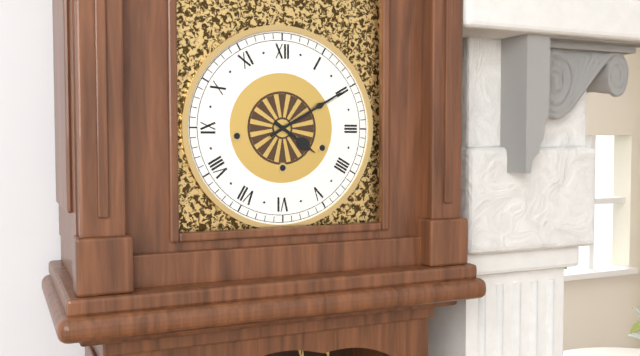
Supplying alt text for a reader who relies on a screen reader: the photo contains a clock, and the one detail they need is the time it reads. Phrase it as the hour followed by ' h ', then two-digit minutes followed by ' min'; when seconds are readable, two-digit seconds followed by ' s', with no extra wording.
4 h 10 min
